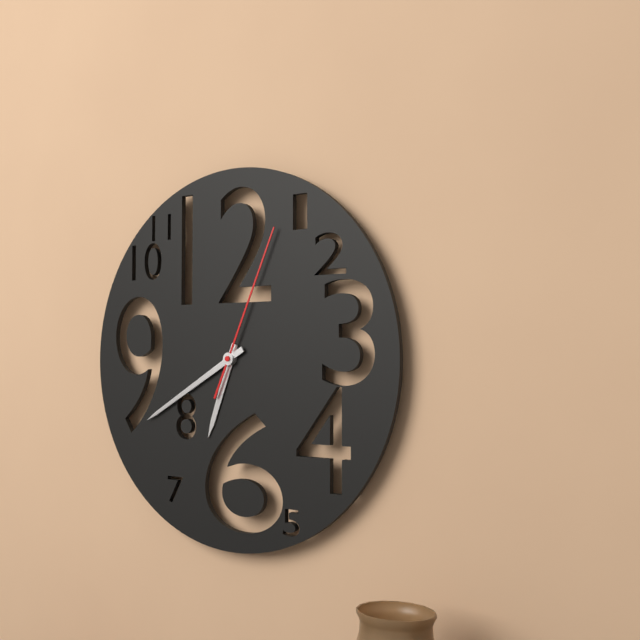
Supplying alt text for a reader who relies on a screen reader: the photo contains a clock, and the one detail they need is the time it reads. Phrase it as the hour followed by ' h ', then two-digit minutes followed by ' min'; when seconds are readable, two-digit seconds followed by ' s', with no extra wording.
6 h 40 min 04 s
